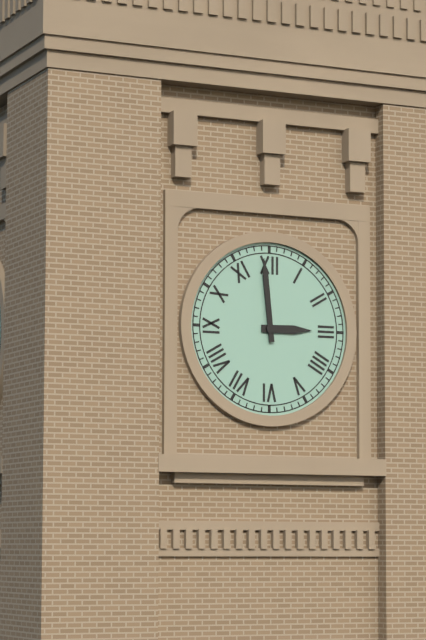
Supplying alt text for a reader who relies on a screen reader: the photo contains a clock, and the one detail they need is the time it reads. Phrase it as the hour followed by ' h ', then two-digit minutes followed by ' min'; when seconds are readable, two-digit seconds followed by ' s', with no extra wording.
2 h 59 min
